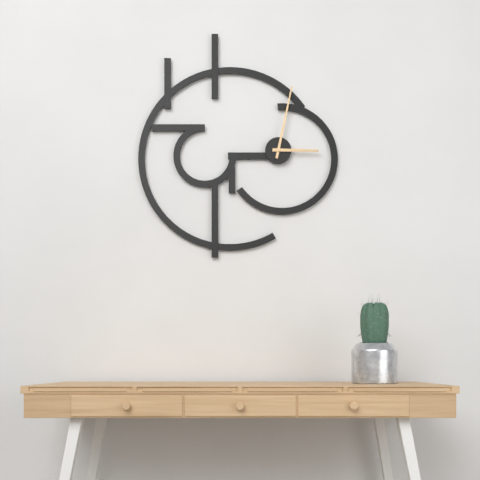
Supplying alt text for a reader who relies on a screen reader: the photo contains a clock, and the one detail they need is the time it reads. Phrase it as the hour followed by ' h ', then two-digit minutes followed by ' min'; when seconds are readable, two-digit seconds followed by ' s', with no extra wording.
3 h 02 min
